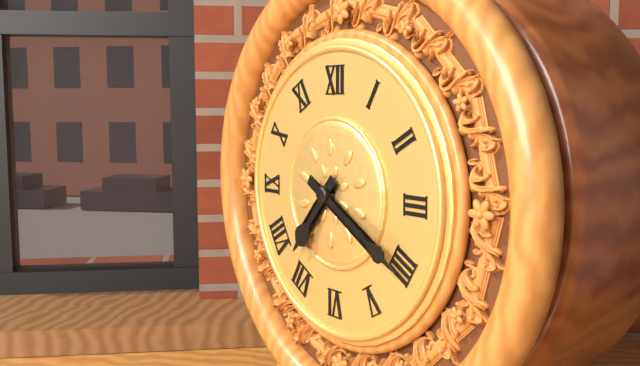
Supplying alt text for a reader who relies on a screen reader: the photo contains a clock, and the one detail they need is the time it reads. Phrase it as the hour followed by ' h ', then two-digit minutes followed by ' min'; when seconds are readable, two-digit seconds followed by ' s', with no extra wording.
7 h 20 min
